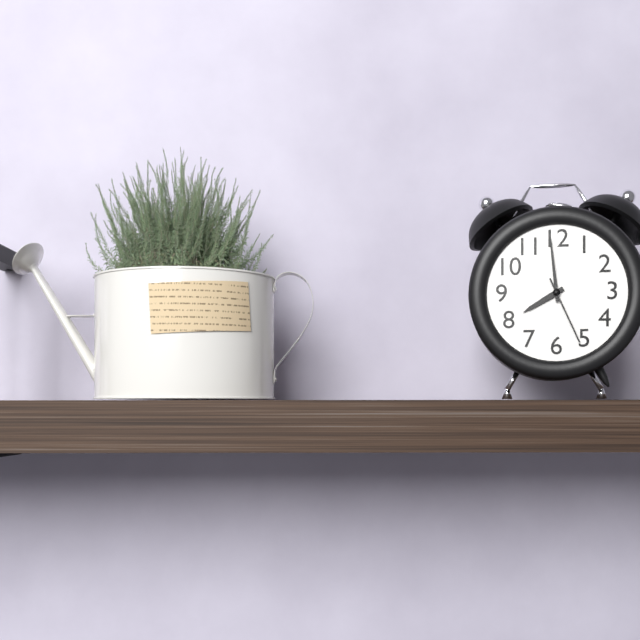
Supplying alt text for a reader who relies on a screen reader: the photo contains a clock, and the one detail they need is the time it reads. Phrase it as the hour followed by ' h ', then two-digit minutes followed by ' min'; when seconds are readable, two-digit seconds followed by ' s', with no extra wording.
7 h 59 min 26 s
